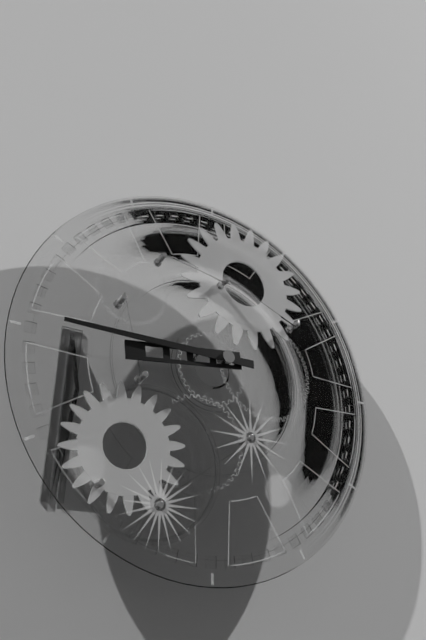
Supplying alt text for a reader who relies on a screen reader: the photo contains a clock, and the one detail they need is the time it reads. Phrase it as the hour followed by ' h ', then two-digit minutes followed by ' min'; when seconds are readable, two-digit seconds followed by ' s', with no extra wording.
8 h 45 min
